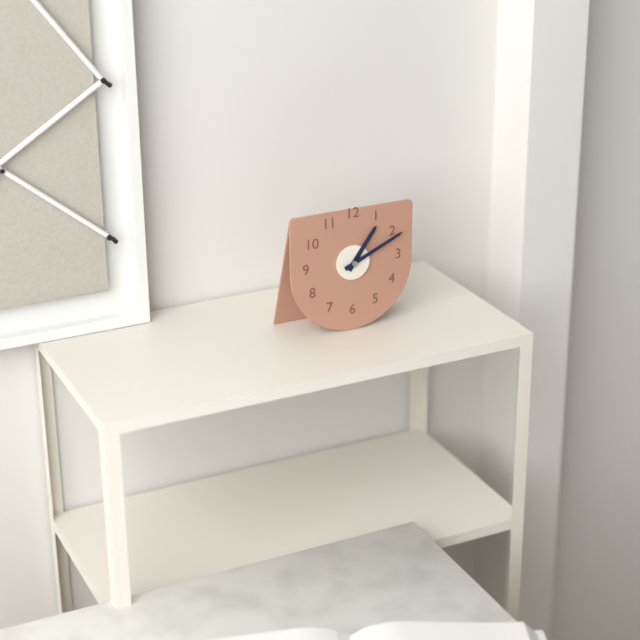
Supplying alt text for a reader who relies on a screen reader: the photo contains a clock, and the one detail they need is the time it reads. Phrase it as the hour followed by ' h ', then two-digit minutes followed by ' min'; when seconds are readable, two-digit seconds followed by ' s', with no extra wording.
1 h 11 min
